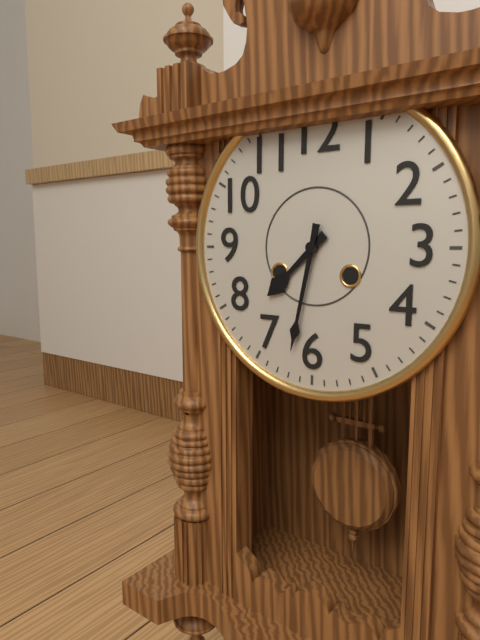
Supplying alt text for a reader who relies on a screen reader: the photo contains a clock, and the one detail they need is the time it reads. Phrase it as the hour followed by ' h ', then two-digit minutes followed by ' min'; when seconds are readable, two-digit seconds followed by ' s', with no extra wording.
7 h 32 min
